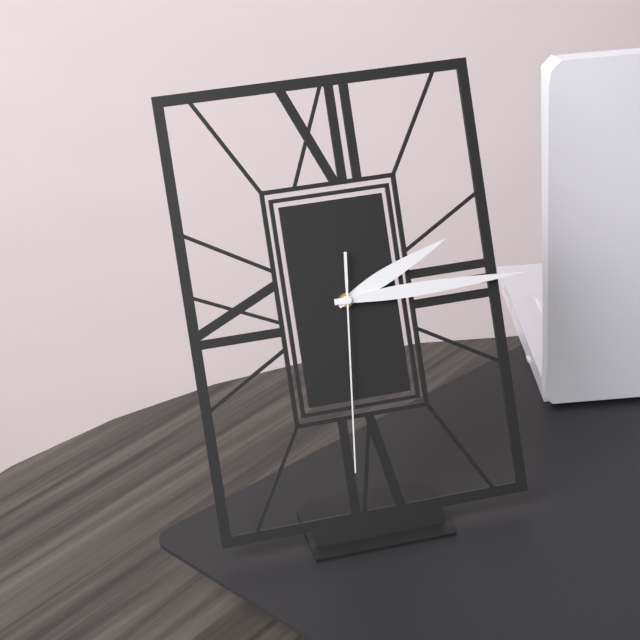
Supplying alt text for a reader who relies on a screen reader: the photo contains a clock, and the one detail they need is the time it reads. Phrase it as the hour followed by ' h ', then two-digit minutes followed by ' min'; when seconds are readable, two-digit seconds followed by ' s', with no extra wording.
2 h 15 min 31 s
